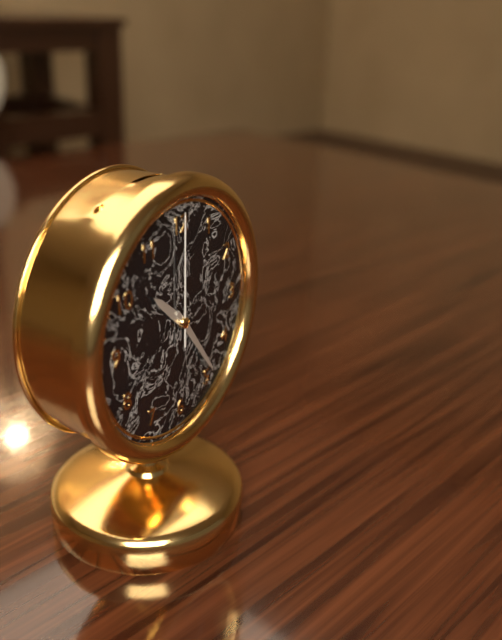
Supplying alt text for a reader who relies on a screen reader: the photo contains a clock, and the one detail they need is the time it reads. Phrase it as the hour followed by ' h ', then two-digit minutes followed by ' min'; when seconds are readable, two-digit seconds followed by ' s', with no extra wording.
10 h 24 min 00 s
